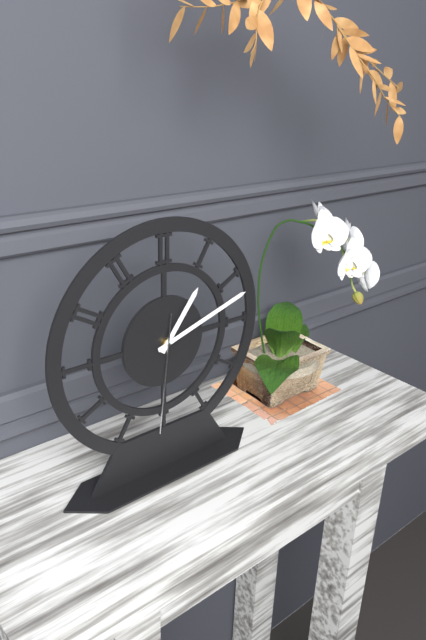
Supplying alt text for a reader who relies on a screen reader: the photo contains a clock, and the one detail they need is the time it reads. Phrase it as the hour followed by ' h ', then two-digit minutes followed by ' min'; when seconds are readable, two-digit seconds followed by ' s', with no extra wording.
1 h 12 min 31 s
